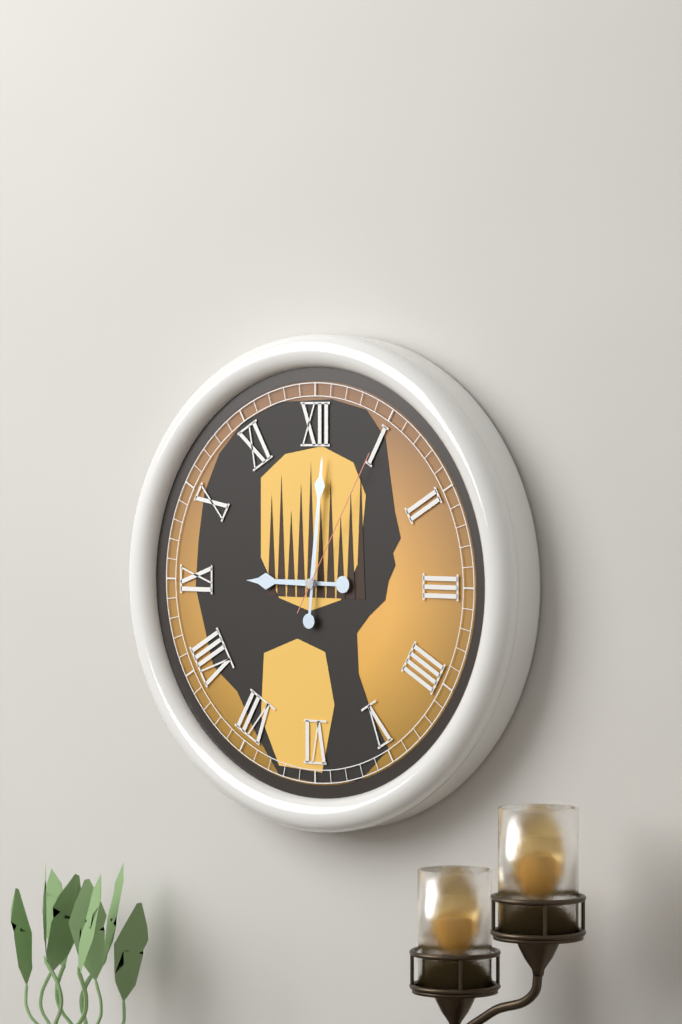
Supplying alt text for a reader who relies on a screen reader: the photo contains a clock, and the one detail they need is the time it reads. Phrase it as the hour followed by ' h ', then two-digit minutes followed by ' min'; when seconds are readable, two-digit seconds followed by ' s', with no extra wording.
9 h 01 min 05 s
